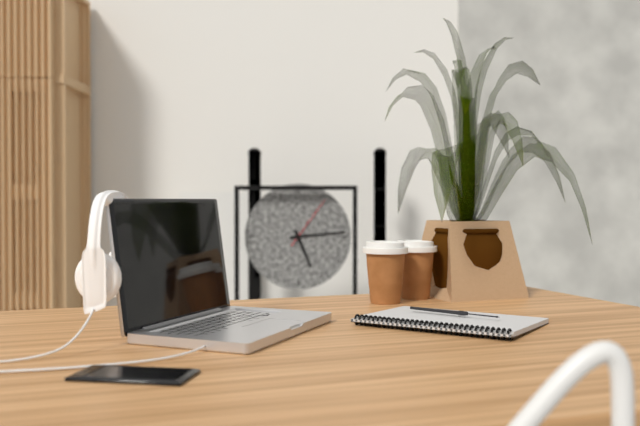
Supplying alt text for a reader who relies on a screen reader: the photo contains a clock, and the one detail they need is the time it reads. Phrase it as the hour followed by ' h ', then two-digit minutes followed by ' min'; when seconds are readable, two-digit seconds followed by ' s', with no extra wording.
5 h 14 min 06 s
